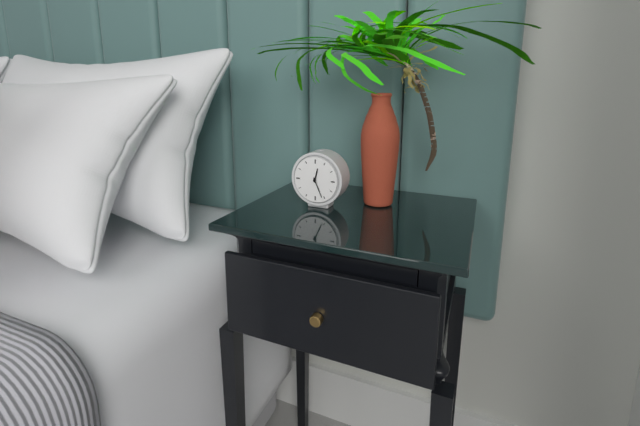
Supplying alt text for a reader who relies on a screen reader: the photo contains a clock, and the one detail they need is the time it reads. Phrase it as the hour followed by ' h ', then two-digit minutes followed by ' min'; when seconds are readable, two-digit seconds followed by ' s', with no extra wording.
12 h 26 min
